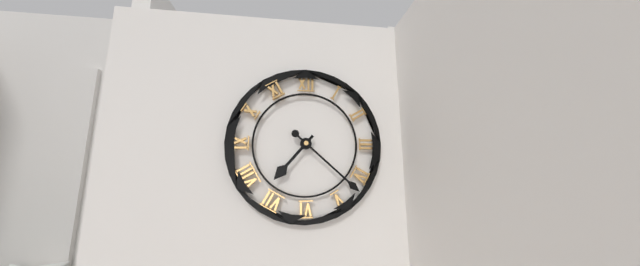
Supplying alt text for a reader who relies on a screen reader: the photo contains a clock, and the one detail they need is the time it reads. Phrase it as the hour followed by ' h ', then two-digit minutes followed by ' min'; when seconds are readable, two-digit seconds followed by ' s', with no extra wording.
7 h 22 min
